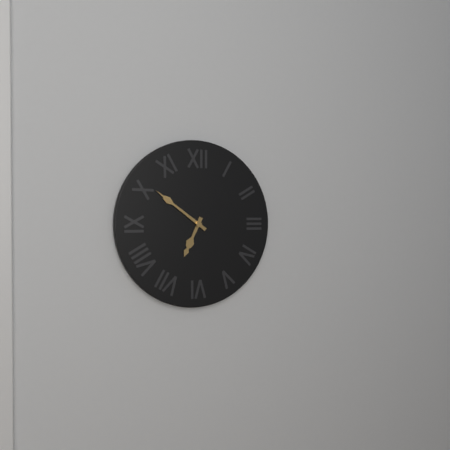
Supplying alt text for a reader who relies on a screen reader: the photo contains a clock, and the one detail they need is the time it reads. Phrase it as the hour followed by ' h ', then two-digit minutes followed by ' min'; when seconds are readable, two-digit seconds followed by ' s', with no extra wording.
6 h 51 min
